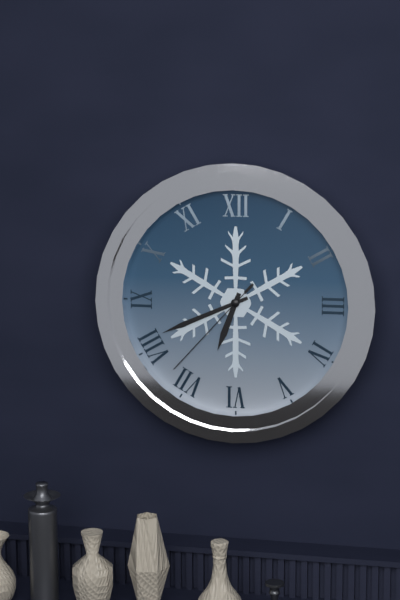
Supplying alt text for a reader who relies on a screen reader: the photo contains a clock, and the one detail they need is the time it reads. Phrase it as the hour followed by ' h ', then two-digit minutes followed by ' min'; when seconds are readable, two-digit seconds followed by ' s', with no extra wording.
6 h 41 min 37 s
